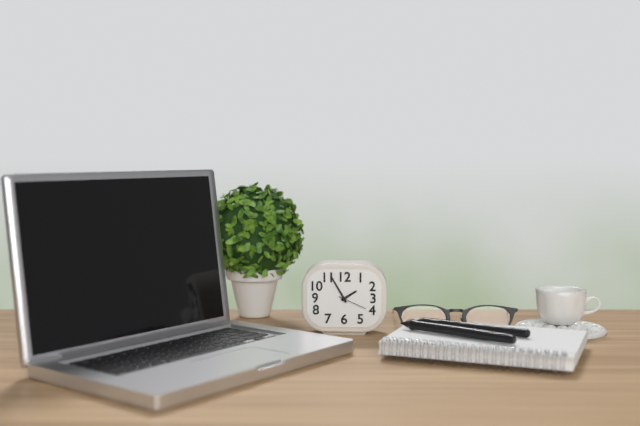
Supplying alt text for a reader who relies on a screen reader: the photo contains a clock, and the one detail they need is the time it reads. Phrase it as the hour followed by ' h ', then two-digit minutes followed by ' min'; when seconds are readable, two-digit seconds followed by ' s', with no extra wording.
1 h 55 min
